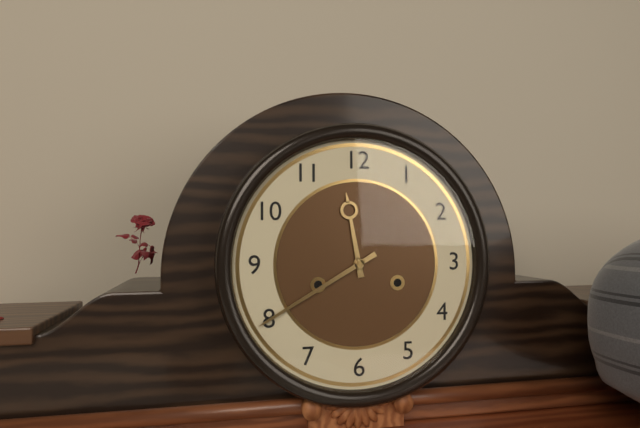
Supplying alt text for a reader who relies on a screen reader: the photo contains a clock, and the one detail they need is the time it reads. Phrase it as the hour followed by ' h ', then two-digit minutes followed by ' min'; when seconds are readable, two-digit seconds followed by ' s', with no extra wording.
11 h 40 min
